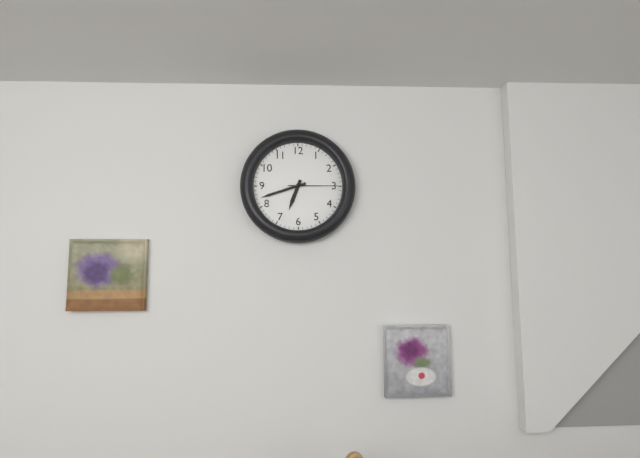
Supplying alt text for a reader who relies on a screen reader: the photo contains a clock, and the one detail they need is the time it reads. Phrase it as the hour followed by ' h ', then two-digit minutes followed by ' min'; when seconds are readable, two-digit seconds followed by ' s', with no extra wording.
6 h 42 min 15 s
